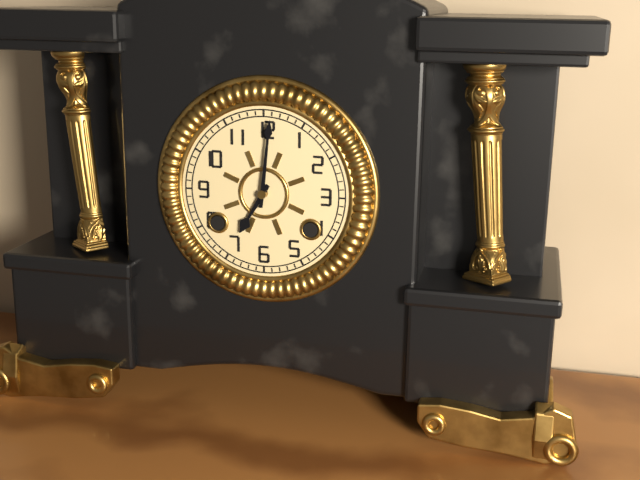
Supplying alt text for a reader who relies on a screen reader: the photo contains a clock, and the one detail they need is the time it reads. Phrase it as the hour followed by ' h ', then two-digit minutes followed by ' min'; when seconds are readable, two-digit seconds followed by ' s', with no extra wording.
7 h 01 min
